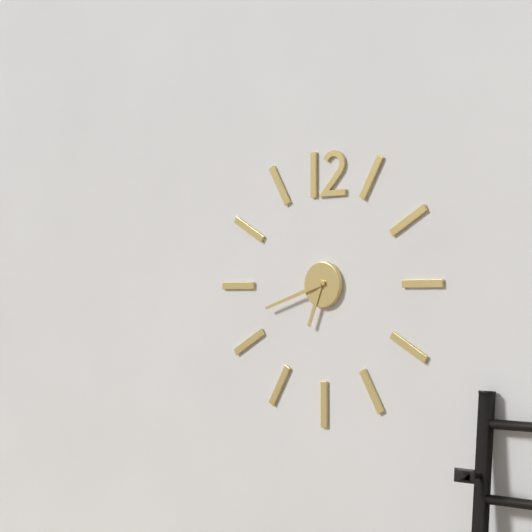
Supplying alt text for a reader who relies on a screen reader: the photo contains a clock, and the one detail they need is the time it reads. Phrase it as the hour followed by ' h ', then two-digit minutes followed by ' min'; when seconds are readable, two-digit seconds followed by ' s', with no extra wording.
6 h 42 min
